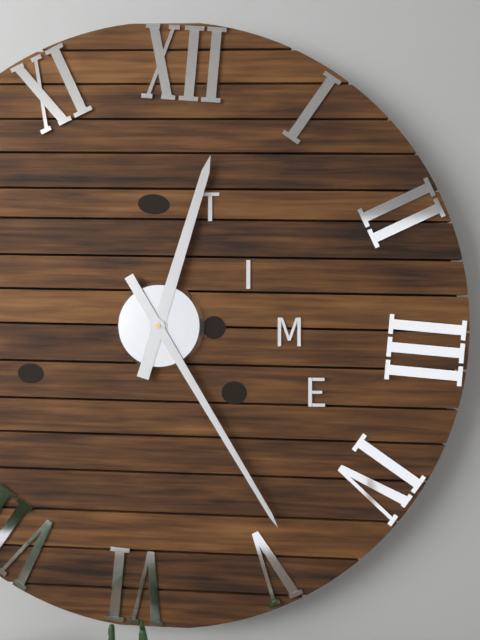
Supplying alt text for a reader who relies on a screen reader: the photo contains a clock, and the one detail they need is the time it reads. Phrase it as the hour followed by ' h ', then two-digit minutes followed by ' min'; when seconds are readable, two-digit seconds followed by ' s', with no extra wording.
12 h 24 min
